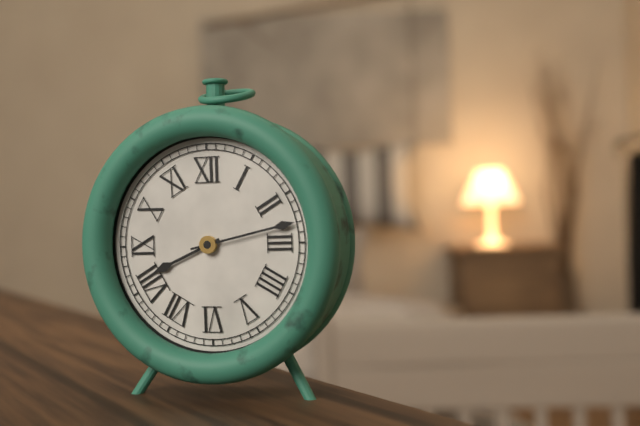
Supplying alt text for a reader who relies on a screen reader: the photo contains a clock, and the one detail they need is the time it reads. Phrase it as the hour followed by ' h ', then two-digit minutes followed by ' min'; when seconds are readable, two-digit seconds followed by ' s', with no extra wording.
8 h 13 min
